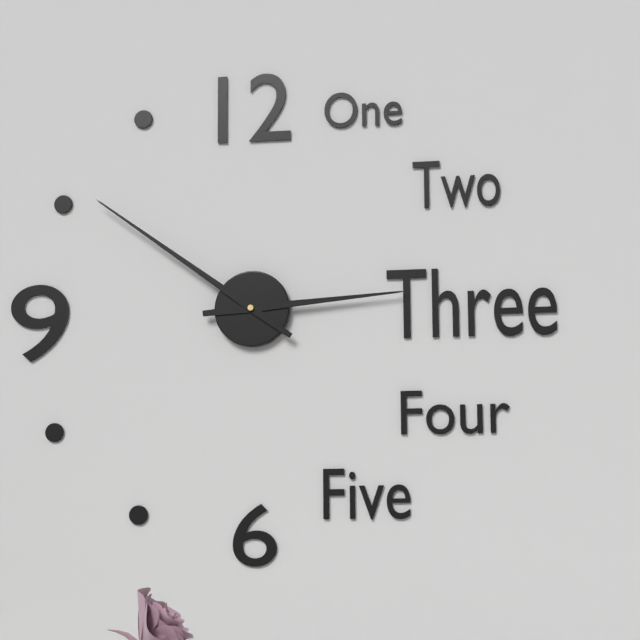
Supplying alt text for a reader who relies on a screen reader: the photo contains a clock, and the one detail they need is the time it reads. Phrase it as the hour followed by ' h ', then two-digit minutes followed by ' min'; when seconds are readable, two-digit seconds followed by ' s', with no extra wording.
2 h 51 min
